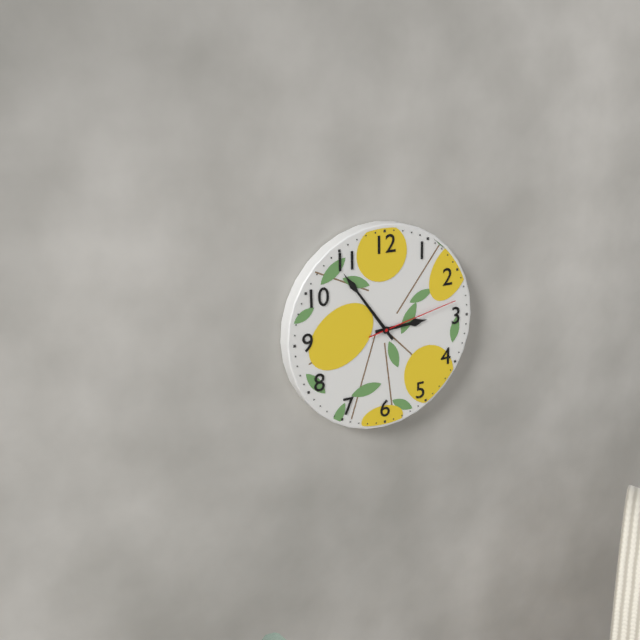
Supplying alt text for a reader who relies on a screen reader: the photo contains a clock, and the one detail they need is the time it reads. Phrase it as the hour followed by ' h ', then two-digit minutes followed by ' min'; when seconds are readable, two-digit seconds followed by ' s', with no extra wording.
2 h 54 min 13 s
